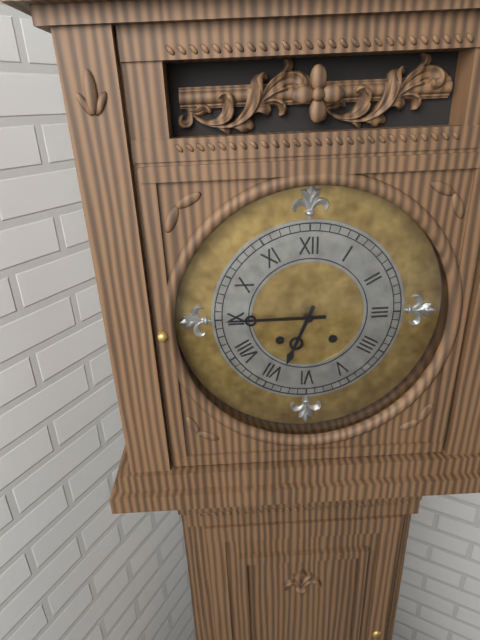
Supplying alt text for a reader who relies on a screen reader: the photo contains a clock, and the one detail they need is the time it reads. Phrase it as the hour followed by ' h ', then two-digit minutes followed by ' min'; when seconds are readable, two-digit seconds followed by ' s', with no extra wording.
6 h 45 min
